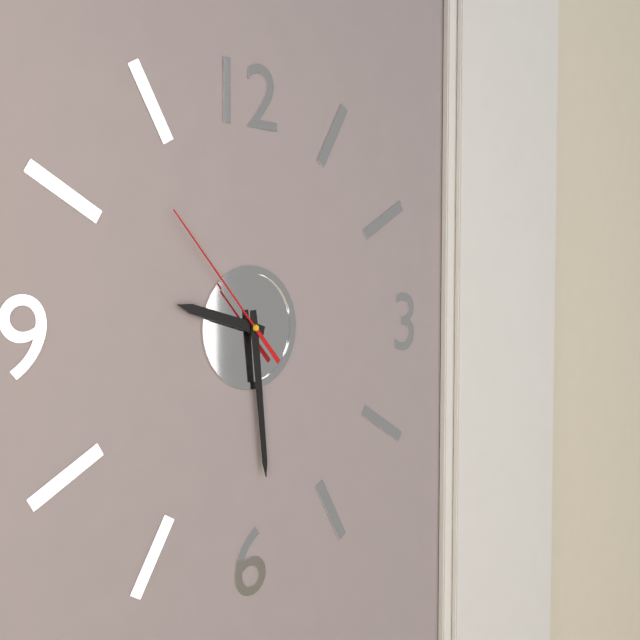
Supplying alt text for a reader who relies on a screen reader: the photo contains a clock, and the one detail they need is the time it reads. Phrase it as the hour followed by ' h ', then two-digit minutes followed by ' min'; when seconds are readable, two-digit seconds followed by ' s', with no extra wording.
9 h 29 min 53 s
